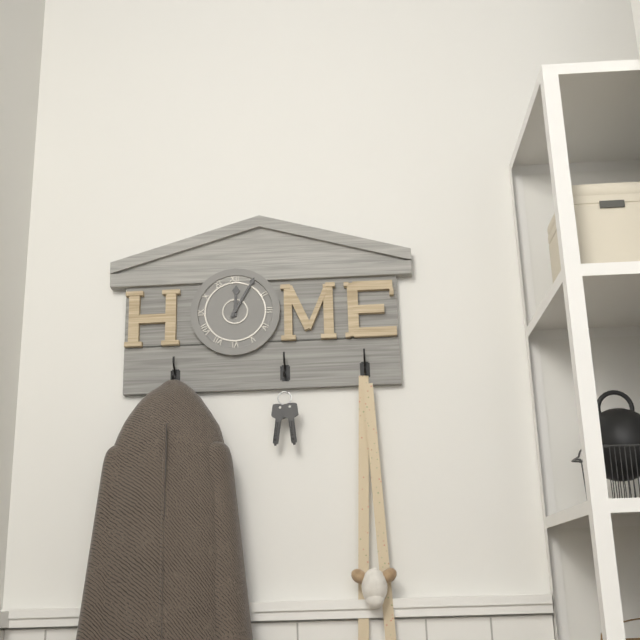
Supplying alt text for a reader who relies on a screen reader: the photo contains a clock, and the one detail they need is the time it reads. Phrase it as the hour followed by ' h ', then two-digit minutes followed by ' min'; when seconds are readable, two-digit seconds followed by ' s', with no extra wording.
12 h 05 min
